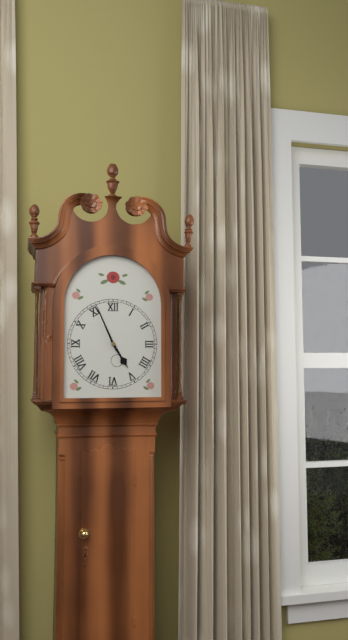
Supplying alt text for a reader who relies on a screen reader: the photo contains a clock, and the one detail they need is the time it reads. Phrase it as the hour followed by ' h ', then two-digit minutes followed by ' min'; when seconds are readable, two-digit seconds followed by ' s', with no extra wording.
4 h 56 min
